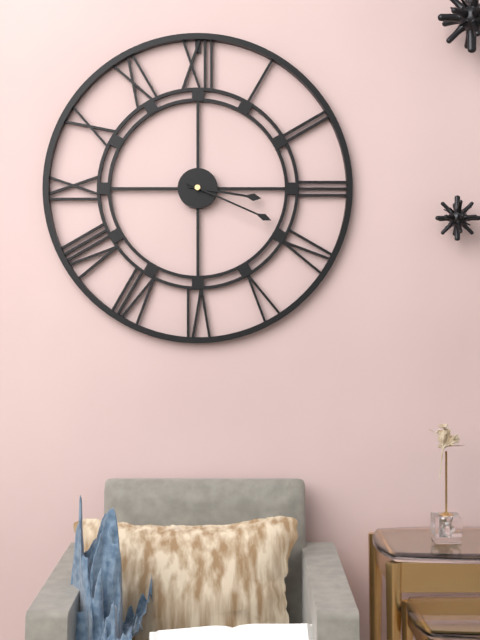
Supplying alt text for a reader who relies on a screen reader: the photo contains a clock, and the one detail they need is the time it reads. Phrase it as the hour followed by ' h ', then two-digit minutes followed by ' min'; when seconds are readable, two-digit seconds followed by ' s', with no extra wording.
3 h 19 min
